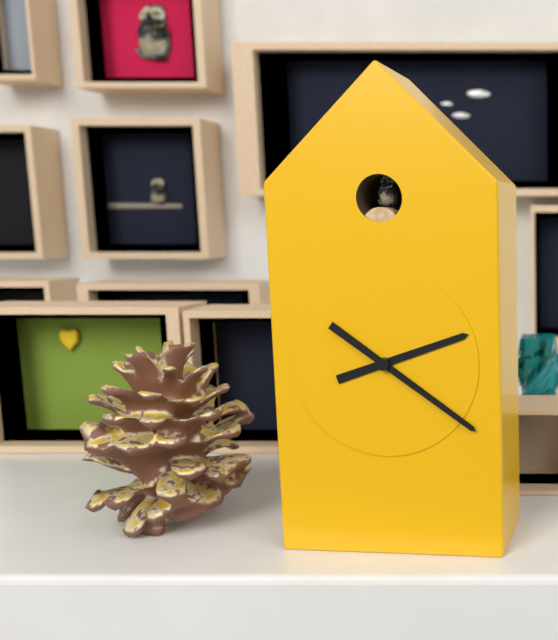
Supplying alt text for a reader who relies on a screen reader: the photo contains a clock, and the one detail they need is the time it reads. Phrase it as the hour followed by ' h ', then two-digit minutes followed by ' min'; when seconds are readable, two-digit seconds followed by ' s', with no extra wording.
2 h 21 min
